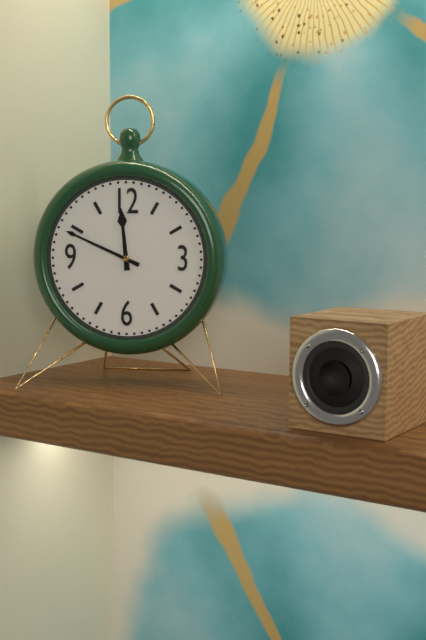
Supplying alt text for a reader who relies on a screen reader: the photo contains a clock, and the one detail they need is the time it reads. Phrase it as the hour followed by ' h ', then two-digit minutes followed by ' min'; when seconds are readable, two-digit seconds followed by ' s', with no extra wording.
11 h 49 min
